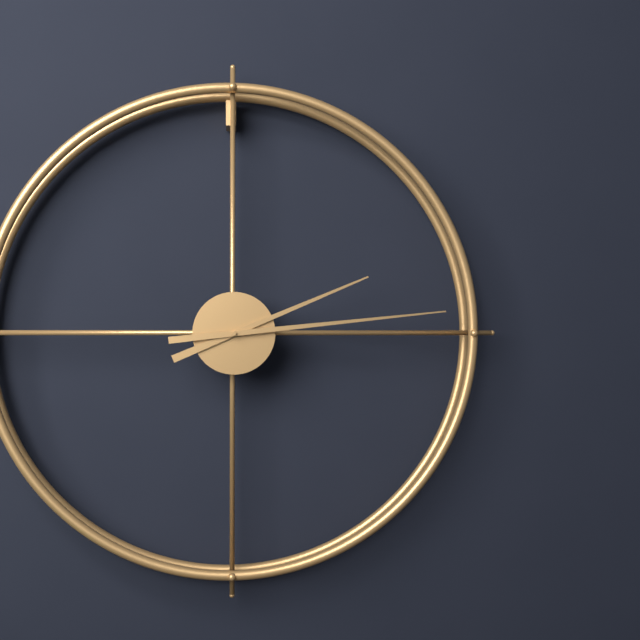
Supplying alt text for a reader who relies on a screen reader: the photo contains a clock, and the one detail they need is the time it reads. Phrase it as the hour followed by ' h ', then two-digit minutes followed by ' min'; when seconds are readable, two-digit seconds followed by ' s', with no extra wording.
2 h 14 min
